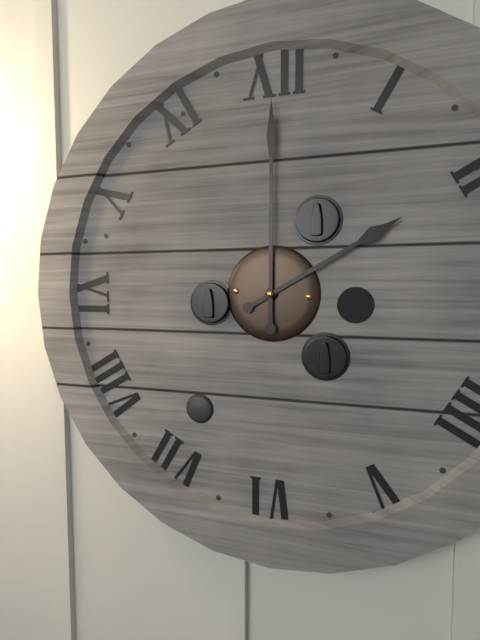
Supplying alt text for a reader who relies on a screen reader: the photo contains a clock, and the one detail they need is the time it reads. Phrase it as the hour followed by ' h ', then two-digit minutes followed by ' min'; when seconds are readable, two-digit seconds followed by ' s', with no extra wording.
2 h 00 min
